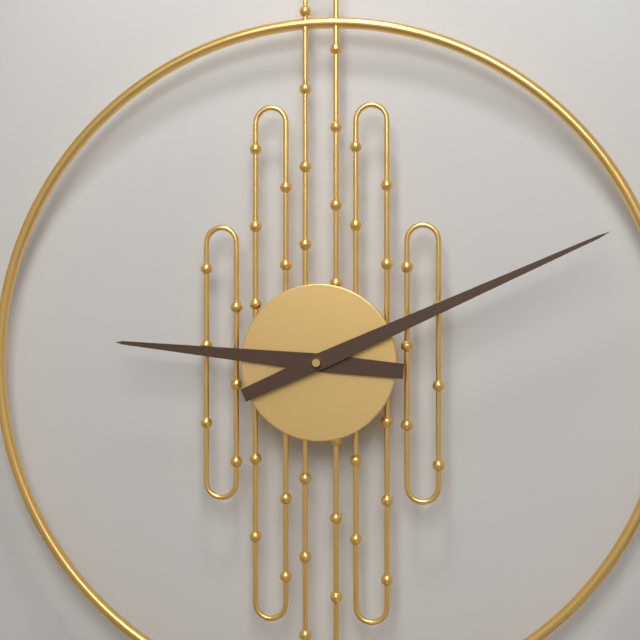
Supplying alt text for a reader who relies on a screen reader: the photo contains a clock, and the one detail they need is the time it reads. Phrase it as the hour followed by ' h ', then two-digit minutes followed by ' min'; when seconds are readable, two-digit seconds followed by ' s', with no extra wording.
9 h 11 min
